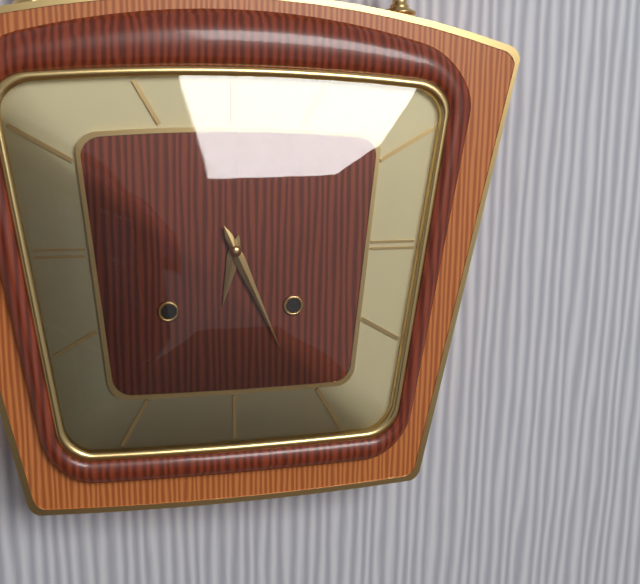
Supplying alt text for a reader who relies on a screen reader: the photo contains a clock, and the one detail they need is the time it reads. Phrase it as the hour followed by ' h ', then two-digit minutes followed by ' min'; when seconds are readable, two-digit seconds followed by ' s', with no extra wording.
6 h 26 min
